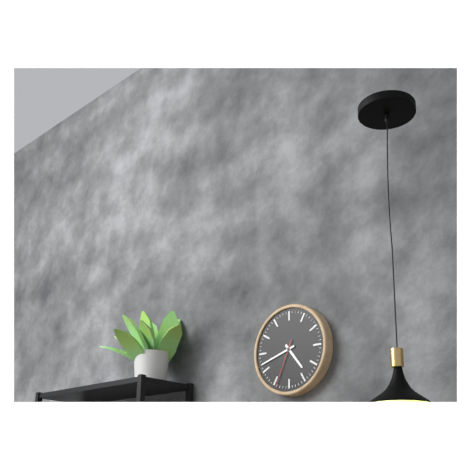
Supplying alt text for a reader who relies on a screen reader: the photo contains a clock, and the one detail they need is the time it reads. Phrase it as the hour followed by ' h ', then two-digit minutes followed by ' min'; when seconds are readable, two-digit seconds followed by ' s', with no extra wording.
4 h 42 min 34 s
